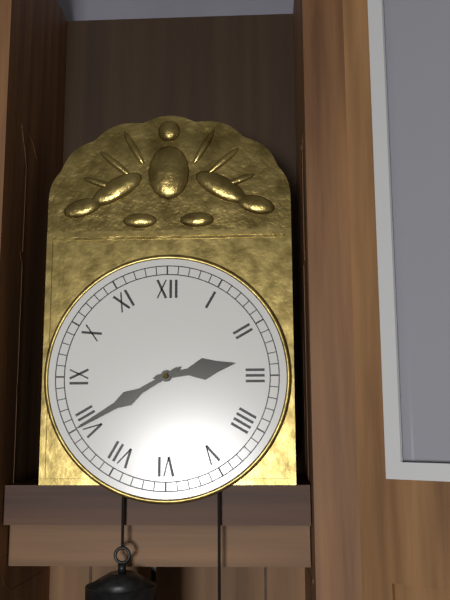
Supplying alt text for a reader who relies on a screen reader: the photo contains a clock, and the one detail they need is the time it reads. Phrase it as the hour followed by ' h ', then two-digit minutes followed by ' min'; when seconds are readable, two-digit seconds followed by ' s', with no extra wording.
2 h 40 min
